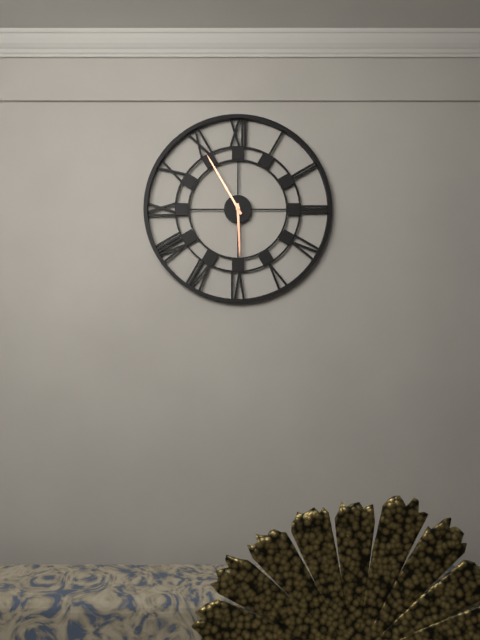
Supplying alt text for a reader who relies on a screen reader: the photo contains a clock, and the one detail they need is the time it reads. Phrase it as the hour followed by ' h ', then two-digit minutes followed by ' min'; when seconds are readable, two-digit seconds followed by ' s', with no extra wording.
5 h 55 min
